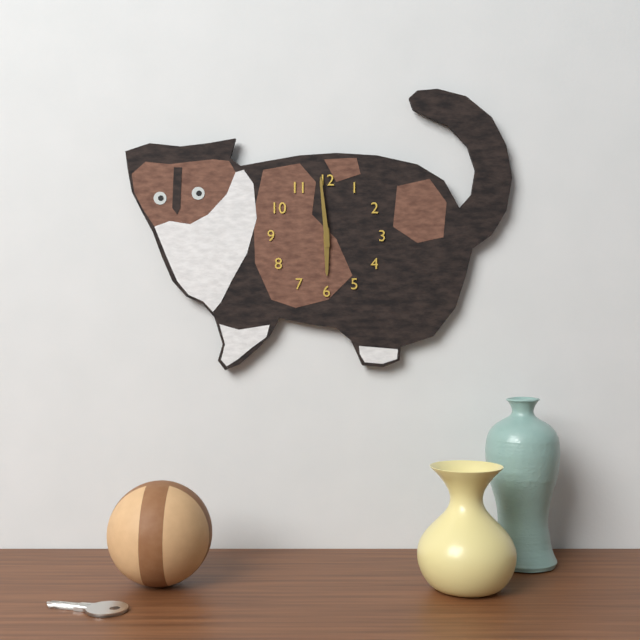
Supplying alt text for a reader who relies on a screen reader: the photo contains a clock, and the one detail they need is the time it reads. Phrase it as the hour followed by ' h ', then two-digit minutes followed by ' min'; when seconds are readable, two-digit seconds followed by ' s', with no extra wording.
5 h 59 min
